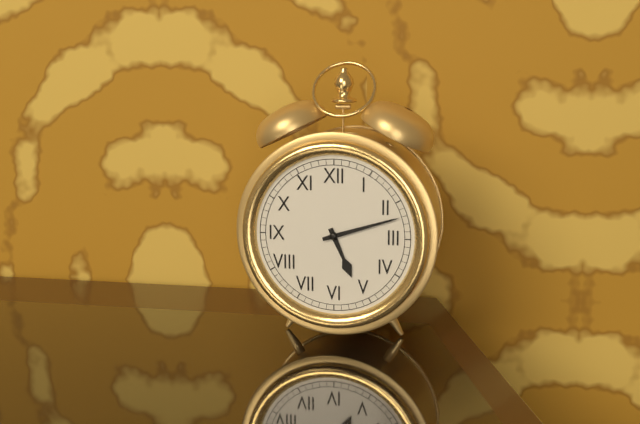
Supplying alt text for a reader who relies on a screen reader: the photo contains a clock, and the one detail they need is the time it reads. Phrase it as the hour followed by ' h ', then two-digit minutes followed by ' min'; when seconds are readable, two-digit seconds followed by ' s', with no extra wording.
5 h 12 min
